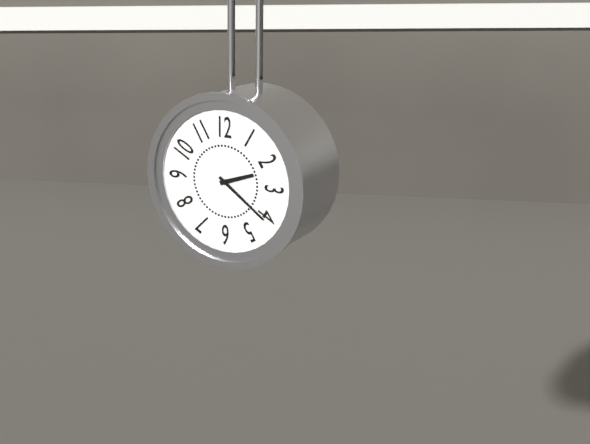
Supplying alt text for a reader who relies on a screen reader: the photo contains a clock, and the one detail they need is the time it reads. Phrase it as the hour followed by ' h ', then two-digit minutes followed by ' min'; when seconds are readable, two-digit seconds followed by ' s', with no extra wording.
2 h 21 min
